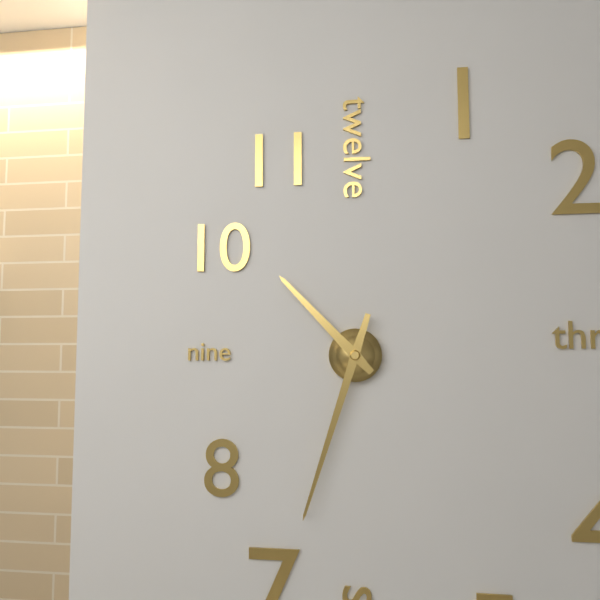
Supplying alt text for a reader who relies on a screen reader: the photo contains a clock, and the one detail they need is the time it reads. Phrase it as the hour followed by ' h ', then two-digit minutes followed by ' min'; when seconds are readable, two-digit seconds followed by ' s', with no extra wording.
10 h 33 min
